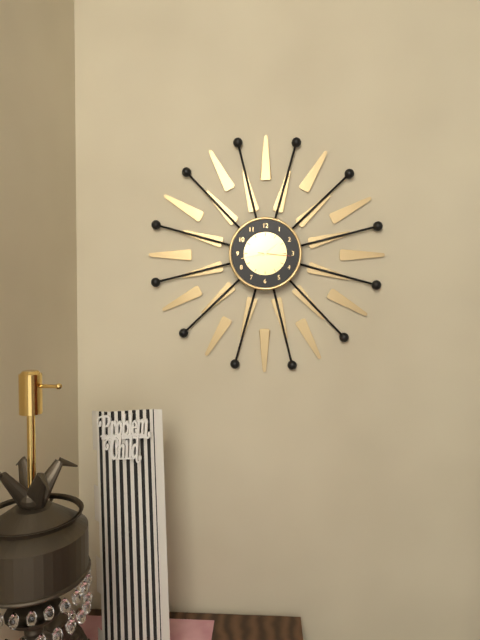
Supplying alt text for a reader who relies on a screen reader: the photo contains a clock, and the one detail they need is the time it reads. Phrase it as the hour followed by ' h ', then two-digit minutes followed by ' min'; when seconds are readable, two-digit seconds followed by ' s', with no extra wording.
1 h 43 min
